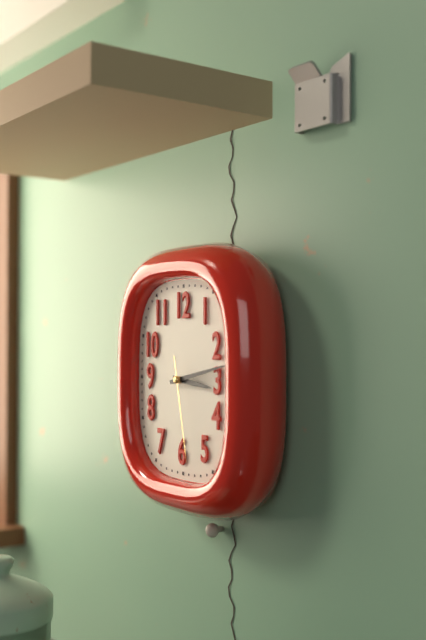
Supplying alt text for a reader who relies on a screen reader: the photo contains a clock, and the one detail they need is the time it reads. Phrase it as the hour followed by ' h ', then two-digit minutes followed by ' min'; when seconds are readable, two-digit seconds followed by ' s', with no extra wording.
3 h 13 min 28 s
